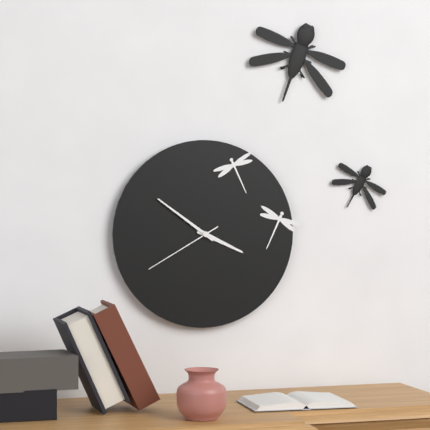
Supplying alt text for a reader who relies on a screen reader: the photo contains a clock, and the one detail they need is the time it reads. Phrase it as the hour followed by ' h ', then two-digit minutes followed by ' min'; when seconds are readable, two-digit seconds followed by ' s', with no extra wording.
3 h 51 min 40 s
